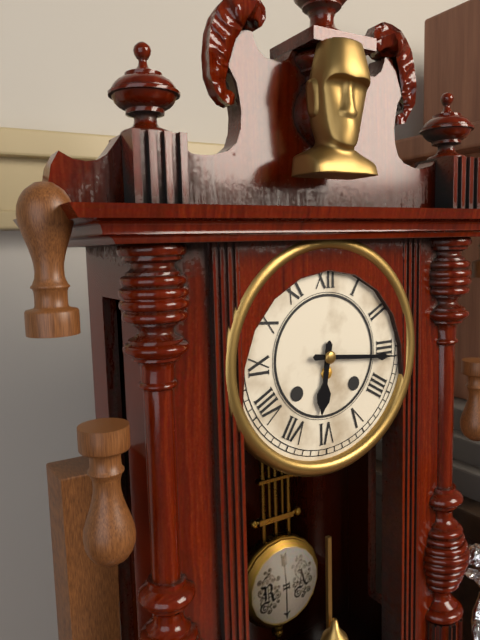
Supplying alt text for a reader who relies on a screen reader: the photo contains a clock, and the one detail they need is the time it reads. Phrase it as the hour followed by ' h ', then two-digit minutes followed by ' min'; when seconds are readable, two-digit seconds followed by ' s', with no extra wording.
6 h 16 min
